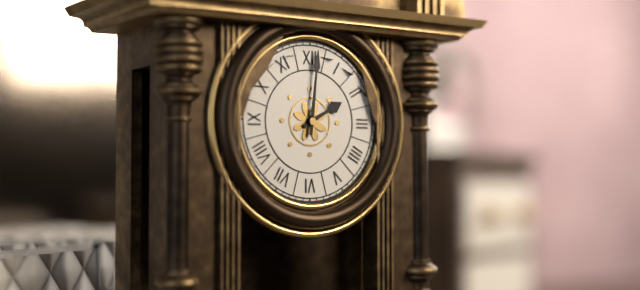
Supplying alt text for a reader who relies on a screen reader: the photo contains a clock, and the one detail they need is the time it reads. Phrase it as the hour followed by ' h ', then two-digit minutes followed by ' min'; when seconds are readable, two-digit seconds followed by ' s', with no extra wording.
2 h 01 min
